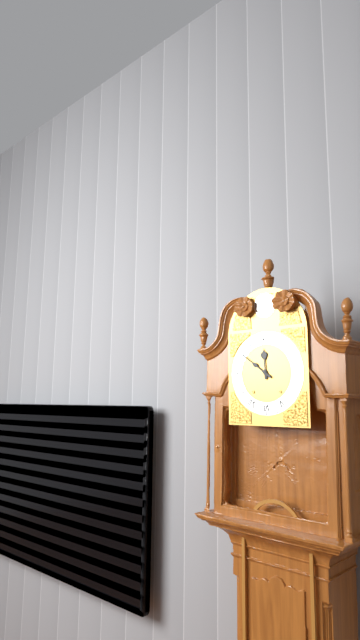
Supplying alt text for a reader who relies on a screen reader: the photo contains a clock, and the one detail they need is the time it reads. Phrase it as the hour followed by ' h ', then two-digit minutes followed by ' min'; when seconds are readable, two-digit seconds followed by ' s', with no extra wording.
11 h 51 min
